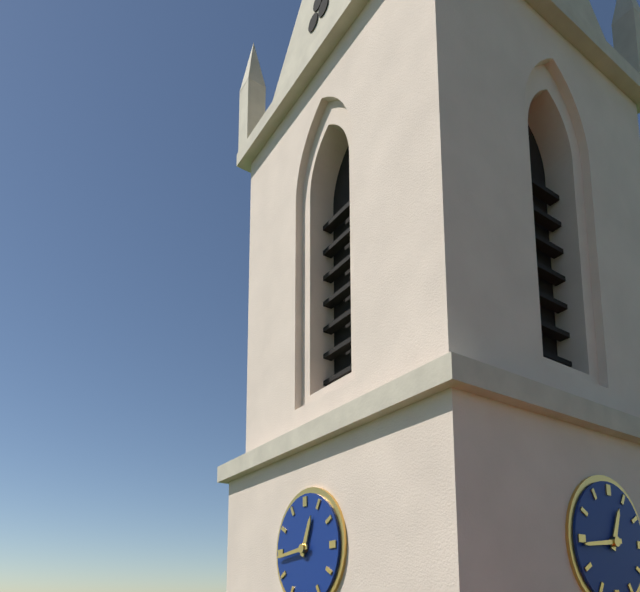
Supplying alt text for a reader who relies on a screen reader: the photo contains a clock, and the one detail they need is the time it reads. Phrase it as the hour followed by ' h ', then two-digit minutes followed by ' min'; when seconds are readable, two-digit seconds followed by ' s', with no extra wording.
12 h 44 min
